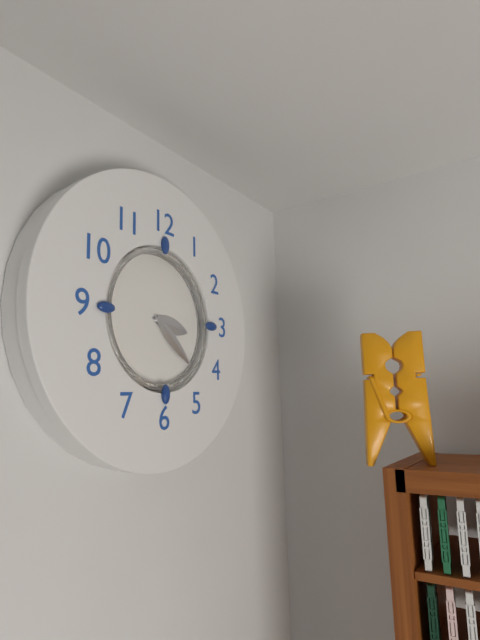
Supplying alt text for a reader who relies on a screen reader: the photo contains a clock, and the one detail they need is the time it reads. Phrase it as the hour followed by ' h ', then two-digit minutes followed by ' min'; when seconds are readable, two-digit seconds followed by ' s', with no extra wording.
3 h 22 min
